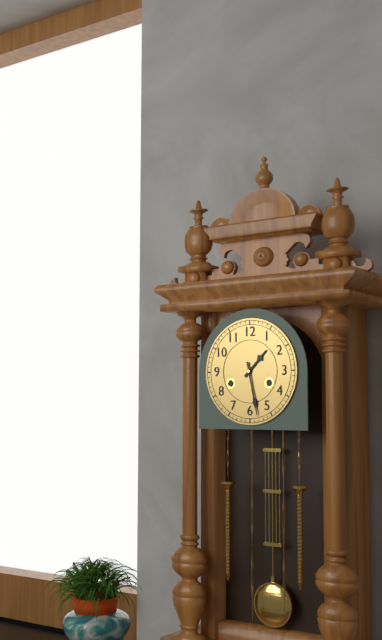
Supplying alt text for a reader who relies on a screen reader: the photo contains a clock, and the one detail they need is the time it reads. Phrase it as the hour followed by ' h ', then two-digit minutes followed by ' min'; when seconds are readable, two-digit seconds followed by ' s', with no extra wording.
1 h 28 min
